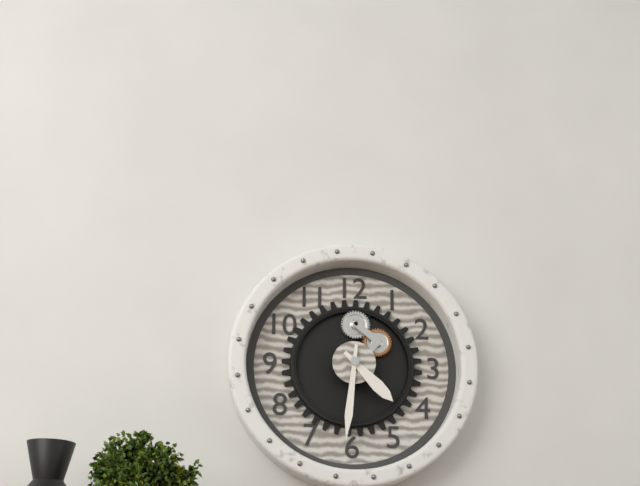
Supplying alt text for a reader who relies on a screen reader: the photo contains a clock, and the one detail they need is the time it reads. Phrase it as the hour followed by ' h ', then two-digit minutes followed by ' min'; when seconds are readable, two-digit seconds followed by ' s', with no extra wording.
4 h 31 min
